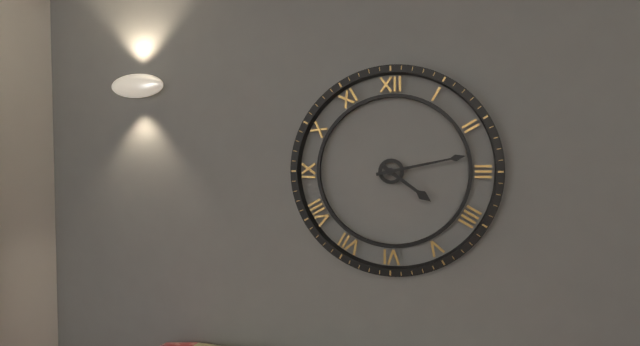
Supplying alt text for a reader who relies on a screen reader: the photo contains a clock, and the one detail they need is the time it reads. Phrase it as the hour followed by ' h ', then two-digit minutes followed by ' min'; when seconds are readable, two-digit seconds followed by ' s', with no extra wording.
4 h 13 min
